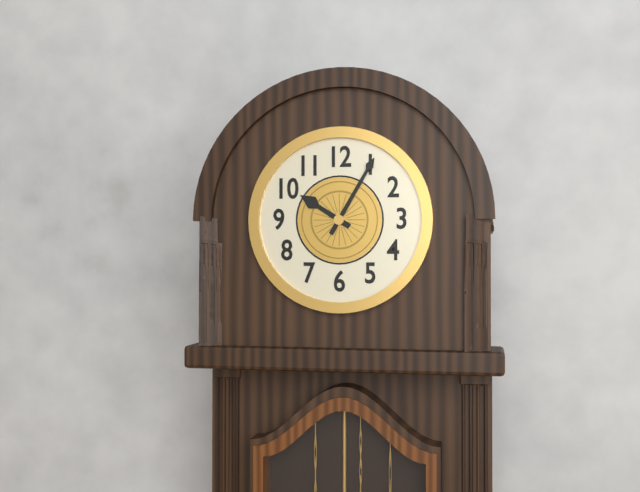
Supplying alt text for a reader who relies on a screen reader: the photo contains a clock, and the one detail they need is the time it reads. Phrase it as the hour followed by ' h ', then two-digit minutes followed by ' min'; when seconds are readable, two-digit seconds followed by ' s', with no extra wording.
10 h 05 min
